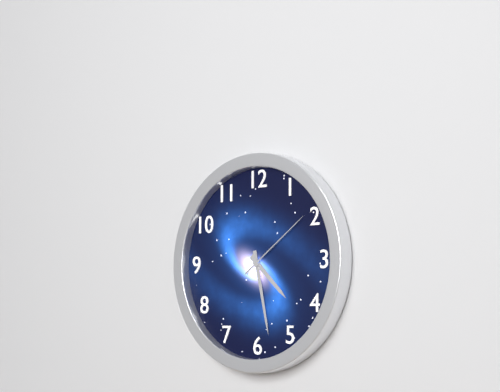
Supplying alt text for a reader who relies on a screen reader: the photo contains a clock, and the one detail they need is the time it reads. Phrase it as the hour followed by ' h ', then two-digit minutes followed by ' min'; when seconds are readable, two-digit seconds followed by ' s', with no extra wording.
4 h 28 min 09 s
